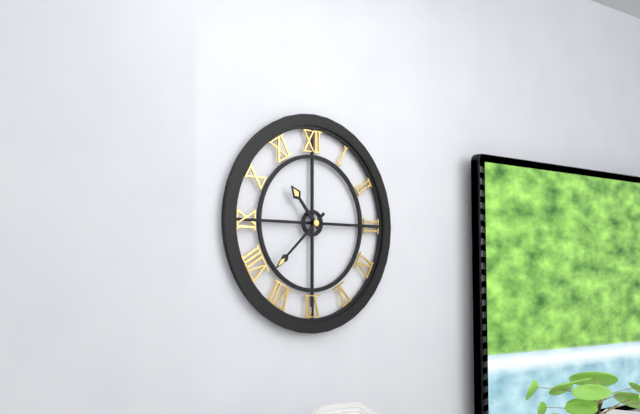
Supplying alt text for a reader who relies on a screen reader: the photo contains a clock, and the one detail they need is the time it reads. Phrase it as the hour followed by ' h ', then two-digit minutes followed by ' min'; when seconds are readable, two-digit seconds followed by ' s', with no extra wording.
10 h 38 min
